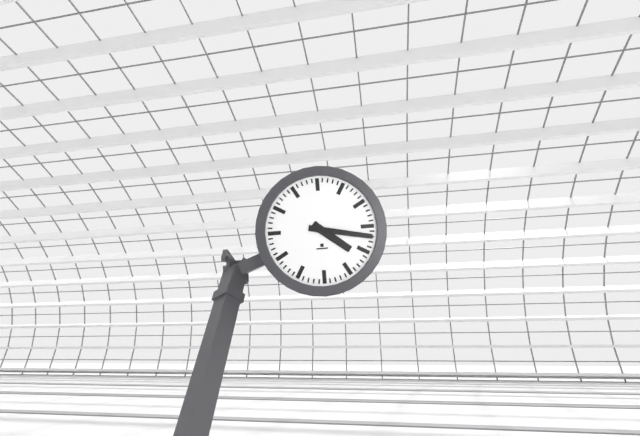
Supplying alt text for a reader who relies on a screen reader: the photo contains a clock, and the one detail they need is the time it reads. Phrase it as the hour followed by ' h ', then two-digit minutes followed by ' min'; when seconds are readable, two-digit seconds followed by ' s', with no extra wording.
4 h 17 min
